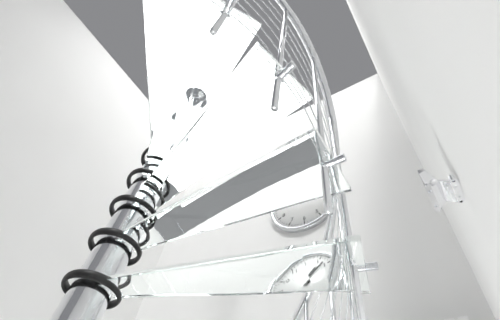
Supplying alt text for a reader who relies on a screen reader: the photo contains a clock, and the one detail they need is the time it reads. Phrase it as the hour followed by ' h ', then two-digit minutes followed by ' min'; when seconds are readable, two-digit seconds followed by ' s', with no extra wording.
1 h 07 min
